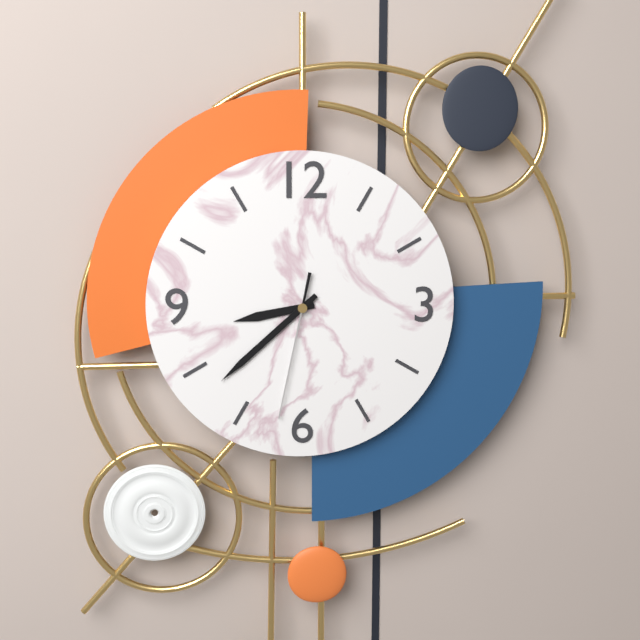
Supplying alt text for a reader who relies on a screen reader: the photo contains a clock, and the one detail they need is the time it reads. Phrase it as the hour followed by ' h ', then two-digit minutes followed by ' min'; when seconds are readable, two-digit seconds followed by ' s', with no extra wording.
8 h 38 min 32 s
